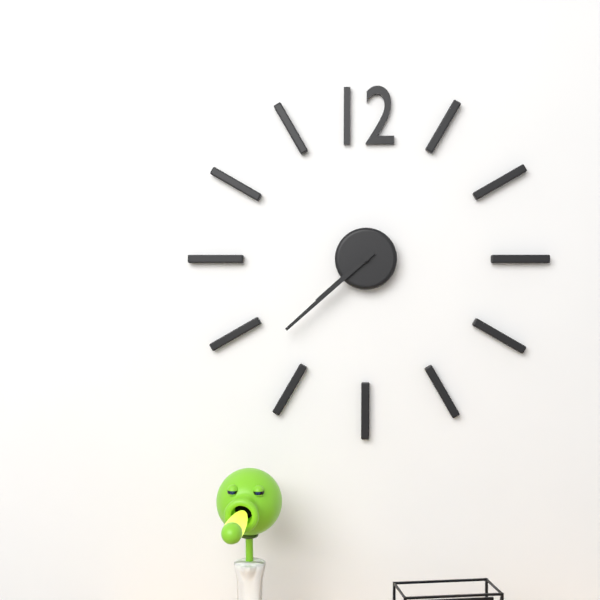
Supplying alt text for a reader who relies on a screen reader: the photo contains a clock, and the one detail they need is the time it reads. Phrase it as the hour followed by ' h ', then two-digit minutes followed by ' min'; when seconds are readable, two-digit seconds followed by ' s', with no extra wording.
7 h 38 min
